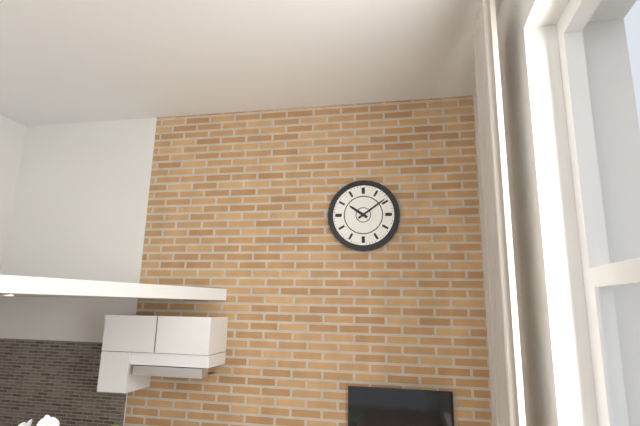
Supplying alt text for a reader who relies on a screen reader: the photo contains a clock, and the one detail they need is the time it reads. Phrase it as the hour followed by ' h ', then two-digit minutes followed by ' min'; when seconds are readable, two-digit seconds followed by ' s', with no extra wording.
10 h 09 min
